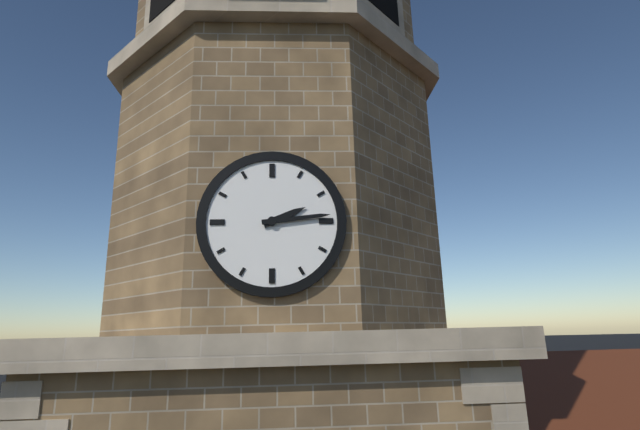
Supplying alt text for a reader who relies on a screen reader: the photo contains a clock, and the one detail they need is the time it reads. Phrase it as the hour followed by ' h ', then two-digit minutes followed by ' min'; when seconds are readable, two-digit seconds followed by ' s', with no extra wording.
2 h 14 min
